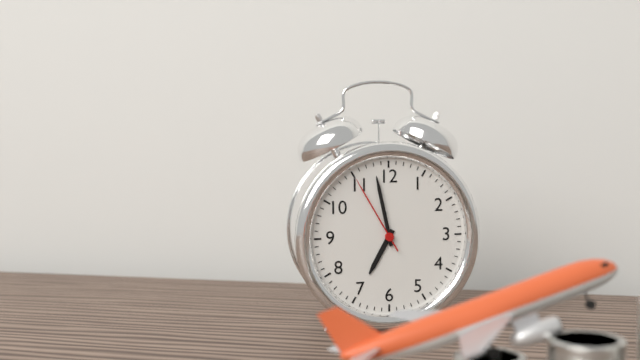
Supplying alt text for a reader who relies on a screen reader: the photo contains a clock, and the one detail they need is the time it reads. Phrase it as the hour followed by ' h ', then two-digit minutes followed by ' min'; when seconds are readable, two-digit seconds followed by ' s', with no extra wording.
6 h 58 min 55 s
